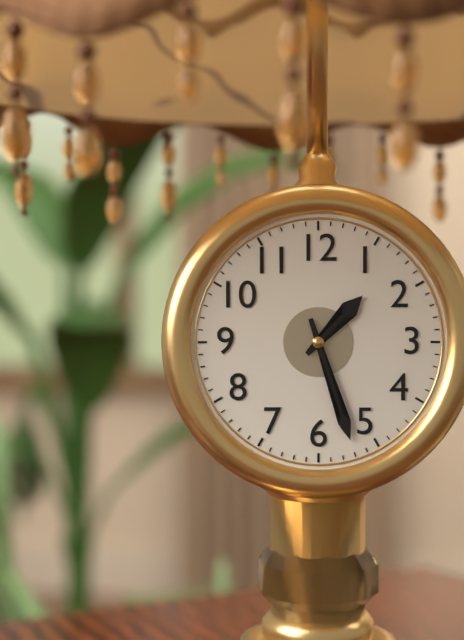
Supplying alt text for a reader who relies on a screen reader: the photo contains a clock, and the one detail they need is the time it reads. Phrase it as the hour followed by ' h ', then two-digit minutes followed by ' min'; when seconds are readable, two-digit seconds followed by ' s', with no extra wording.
1 h 27 min
